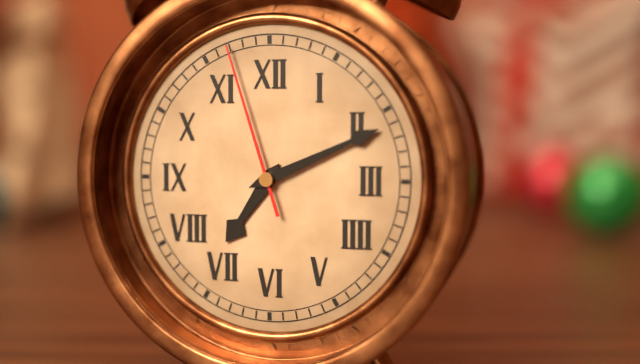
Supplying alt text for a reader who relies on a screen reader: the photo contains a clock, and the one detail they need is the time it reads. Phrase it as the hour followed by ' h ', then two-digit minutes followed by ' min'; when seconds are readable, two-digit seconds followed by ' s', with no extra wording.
7 h 11 min 57 s
